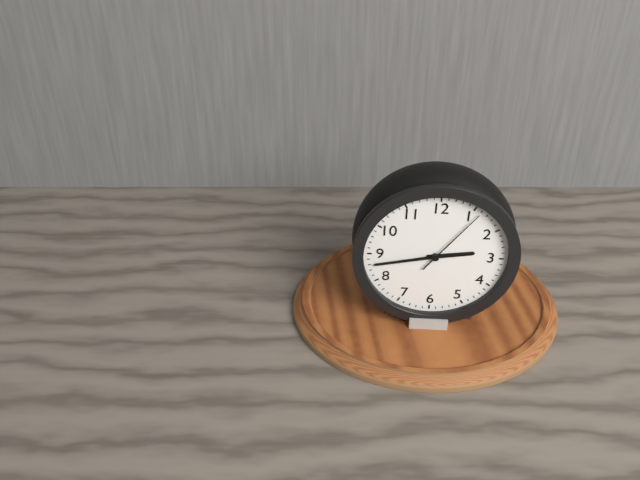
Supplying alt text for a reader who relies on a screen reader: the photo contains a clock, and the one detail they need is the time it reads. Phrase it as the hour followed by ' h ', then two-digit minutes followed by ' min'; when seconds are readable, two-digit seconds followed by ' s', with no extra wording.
2 h 43 min 06 s
